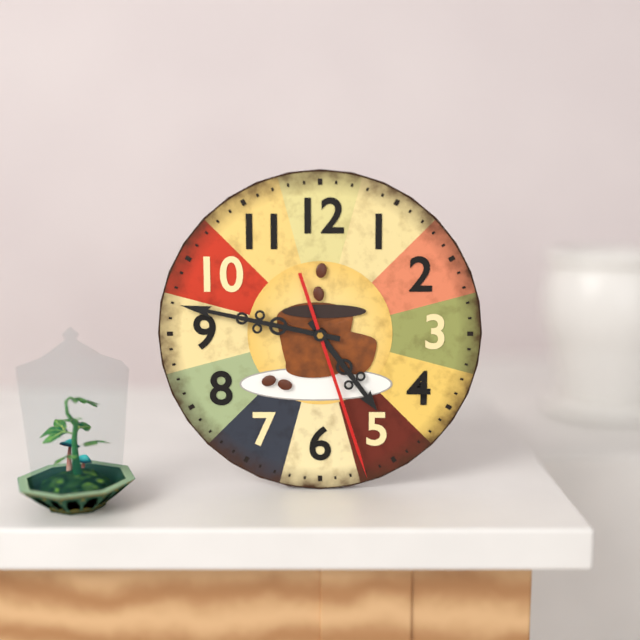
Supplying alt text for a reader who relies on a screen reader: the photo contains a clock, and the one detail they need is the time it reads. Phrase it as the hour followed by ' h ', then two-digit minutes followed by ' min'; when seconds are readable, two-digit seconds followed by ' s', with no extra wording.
4 h 47 min 27 s
